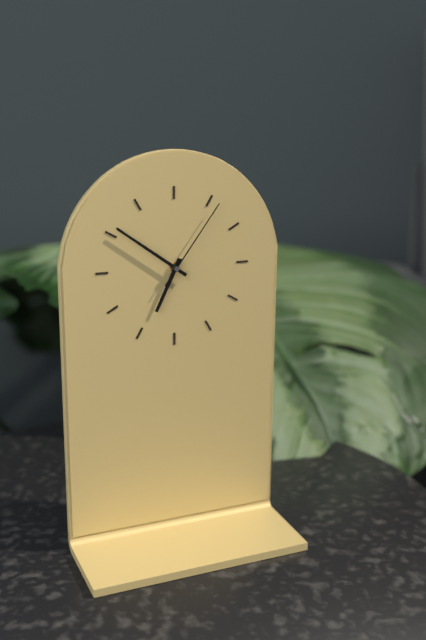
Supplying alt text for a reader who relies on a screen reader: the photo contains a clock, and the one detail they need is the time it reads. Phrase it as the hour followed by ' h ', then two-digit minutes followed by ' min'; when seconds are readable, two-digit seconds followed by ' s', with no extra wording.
6 h 51 min 06 s
